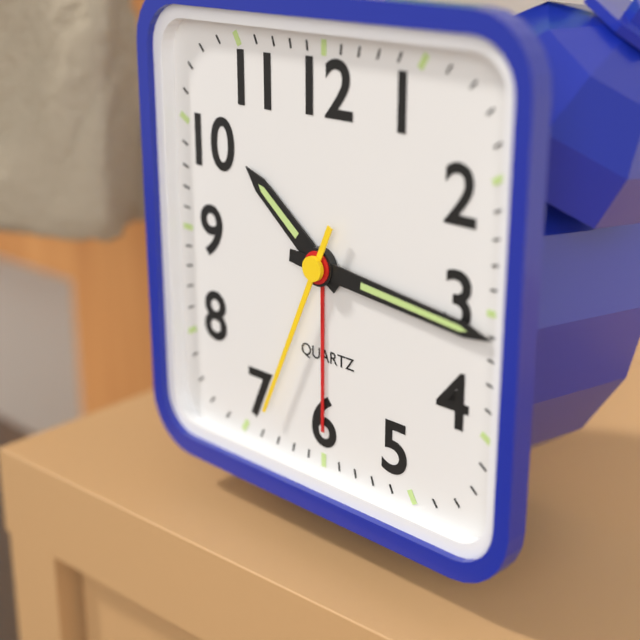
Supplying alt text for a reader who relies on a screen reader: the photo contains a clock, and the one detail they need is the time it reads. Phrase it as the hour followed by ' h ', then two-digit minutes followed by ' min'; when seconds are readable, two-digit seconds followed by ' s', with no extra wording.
10 h 16 min 34 s
